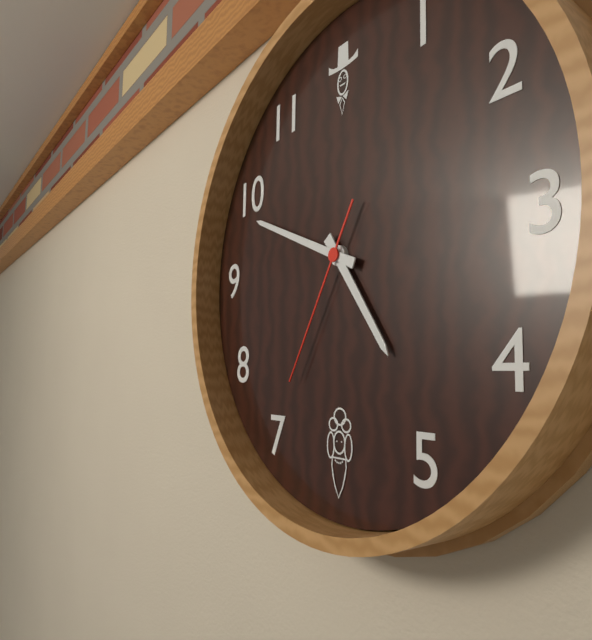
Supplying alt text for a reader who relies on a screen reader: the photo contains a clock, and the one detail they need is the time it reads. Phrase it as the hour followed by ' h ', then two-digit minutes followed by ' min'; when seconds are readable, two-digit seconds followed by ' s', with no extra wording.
4 h 49 min 35 s
